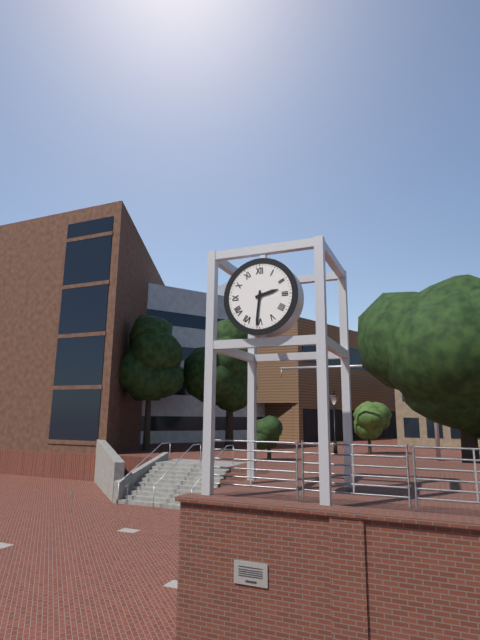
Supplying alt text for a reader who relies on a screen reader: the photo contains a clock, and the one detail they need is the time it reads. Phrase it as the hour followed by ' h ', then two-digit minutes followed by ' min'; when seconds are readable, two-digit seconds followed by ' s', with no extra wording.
2 h 31 min
